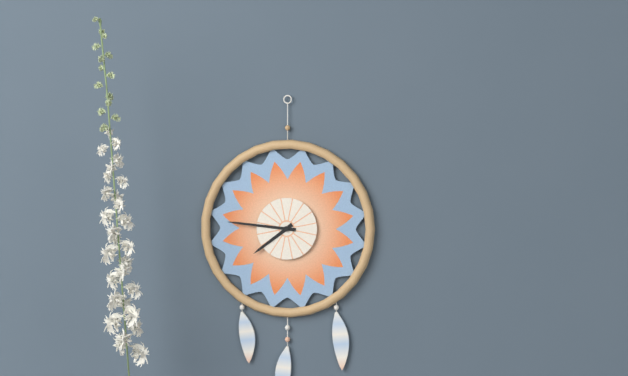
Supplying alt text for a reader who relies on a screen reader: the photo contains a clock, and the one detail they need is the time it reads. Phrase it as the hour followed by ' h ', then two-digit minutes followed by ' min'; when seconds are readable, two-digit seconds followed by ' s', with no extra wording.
7 h 46 min
